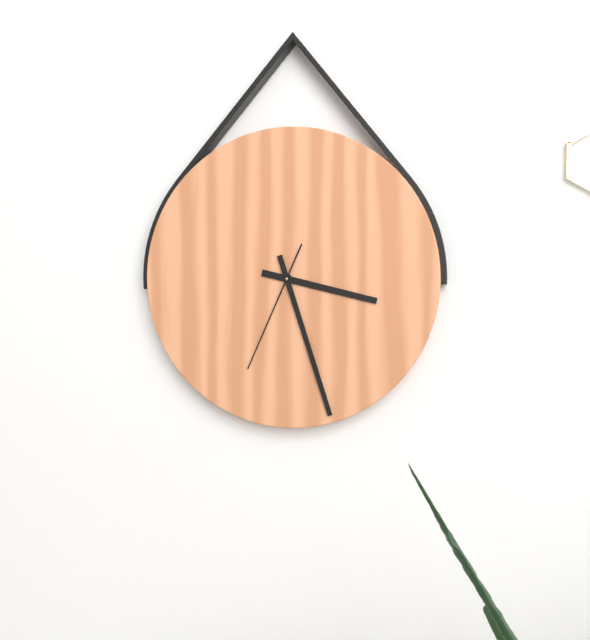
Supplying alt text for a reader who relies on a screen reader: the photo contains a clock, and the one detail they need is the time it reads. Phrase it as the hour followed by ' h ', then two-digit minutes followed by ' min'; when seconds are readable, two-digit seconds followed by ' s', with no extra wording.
3 h 27 min 34 s
